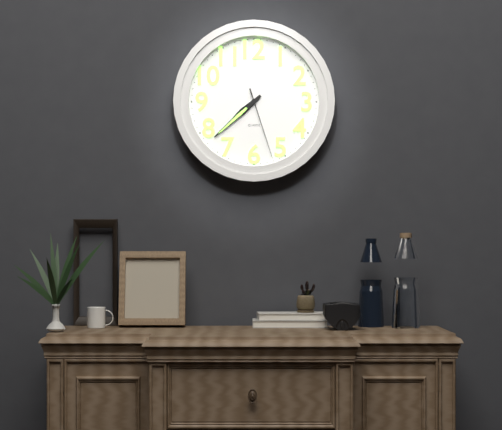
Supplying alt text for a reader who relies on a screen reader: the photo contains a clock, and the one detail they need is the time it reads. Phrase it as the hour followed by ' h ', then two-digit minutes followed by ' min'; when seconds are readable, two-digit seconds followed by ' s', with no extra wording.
7 h 38 min 27 s
